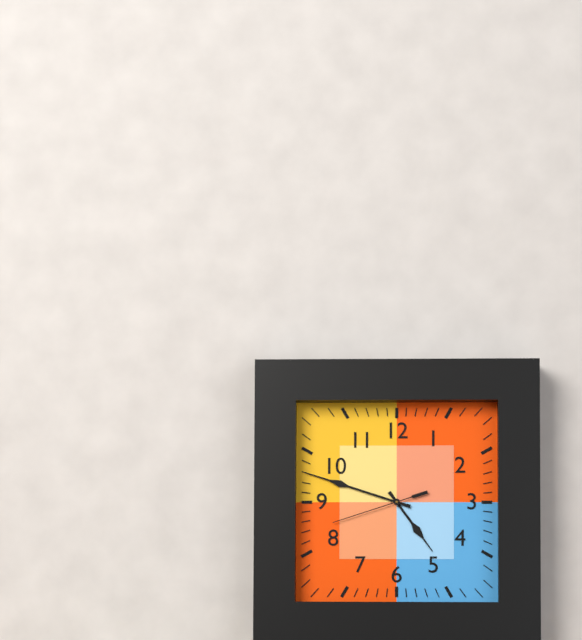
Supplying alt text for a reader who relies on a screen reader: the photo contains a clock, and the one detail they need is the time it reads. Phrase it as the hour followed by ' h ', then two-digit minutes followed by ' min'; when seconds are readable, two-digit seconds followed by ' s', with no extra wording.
4 h 48 min 42 s
